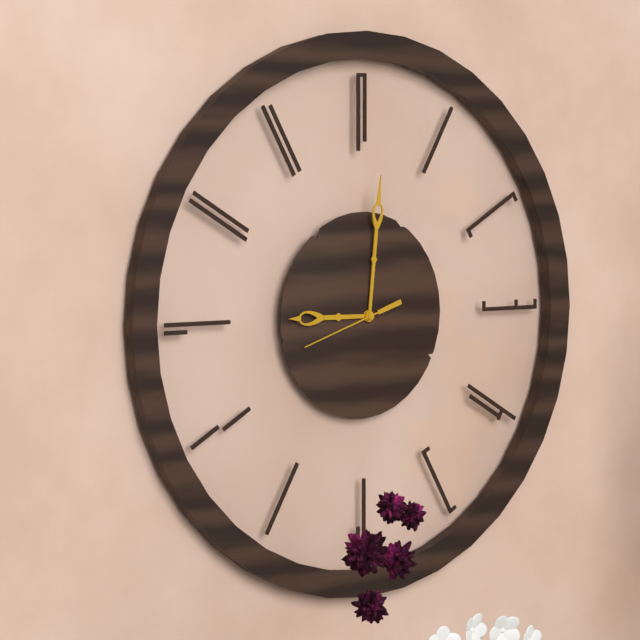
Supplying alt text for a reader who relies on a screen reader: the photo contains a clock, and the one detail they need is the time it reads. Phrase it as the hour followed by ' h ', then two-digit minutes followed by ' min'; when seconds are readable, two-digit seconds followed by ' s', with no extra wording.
9 h 01 min 42 s
